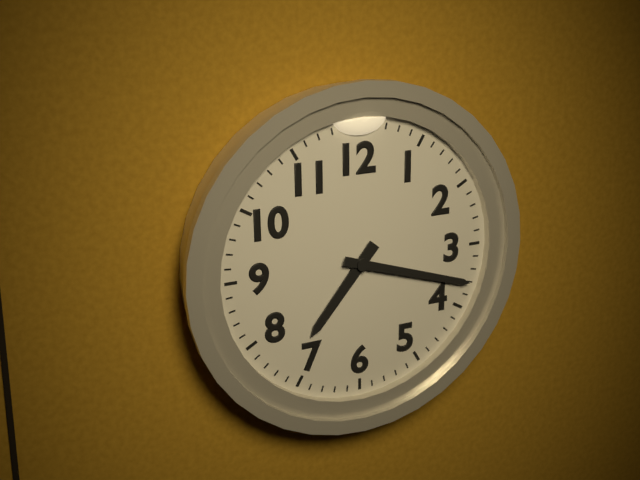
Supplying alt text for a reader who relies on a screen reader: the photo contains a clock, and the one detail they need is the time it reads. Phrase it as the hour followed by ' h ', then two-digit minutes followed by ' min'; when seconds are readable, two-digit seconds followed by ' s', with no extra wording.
7 h 18 min
